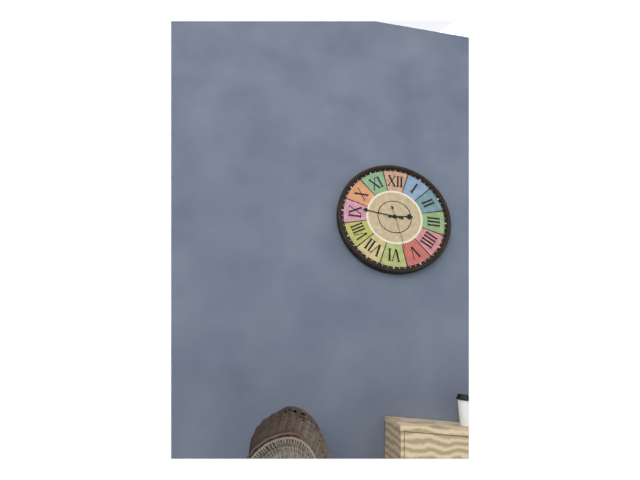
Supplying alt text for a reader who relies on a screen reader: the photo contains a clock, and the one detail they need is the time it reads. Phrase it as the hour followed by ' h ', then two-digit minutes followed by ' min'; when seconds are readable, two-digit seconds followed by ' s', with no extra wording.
2 h 46 min
